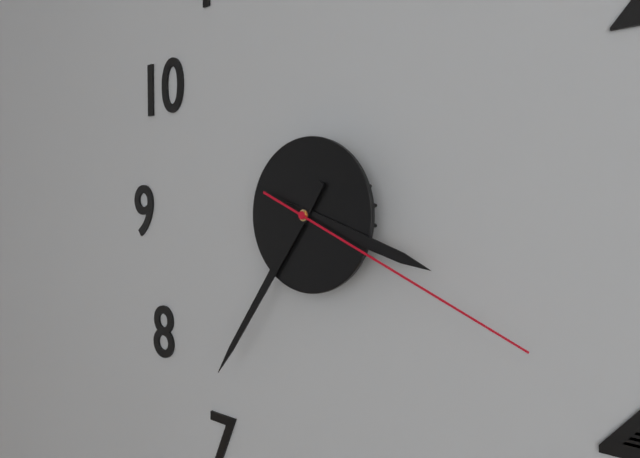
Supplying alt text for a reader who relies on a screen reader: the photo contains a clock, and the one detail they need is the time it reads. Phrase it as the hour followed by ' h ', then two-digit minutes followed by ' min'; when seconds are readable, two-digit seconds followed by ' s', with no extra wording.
3 h 36 min 19 s
